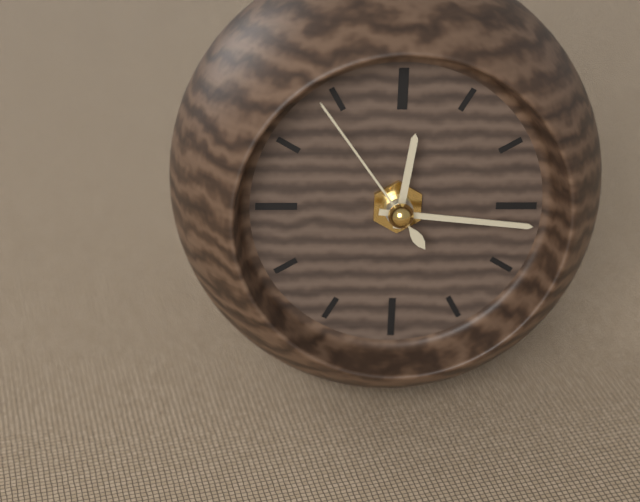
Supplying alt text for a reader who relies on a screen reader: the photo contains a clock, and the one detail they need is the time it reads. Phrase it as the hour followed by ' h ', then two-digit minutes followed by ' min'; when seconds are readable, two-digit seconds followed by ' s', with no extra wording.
12 h 16 min 54 s
